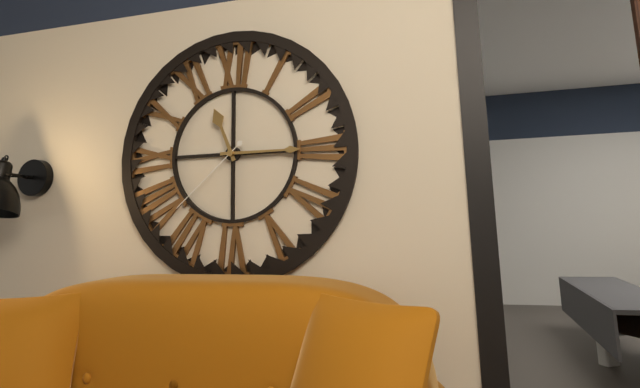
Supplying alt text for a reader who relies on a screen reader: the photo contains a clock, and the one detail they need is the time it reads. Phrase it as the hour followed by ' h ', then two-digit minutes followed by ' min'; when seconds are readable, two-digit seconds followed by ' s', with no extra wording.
11 h 15 min 38 s
